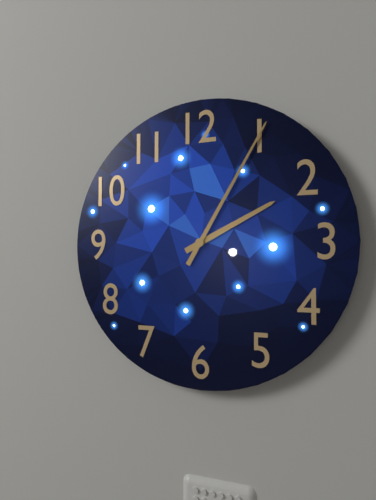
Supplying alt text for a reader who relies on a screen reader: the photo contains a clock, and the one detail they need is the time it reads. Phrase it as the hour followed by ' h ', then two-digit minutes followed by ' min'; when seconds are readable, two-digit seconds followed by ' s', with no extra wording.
2 h 05 min
